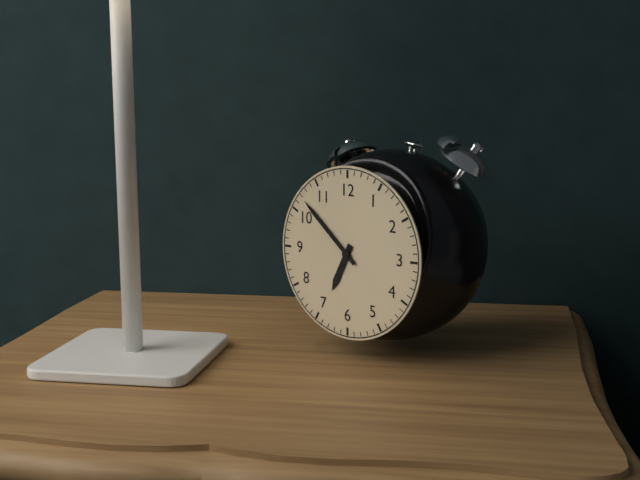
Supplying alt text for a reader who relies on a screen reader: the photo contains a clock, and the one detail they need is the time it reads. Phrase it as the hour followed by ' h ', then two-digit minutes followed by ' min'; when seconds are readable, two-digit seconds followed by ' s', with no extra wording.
6 h 52 min
